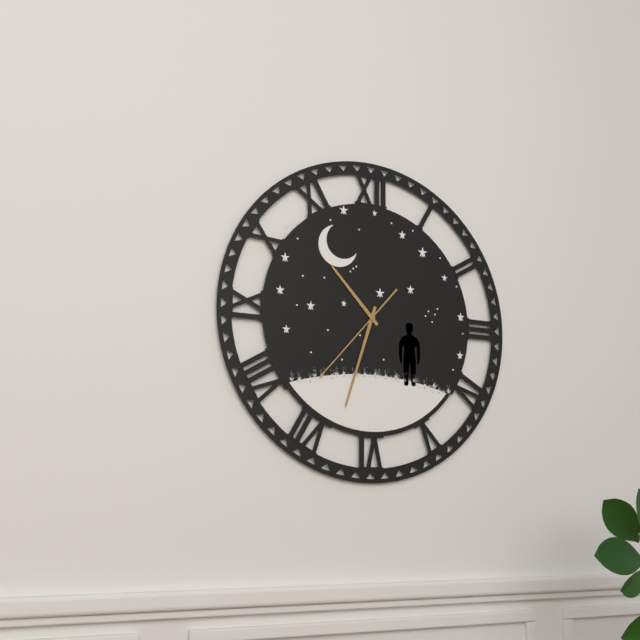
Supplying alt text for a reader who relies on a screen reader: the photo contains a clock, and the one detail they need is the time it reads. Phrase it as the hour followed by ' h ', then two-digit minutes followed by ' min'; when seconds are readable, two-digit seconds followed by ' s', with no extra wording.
10 h 33 min 37 s
